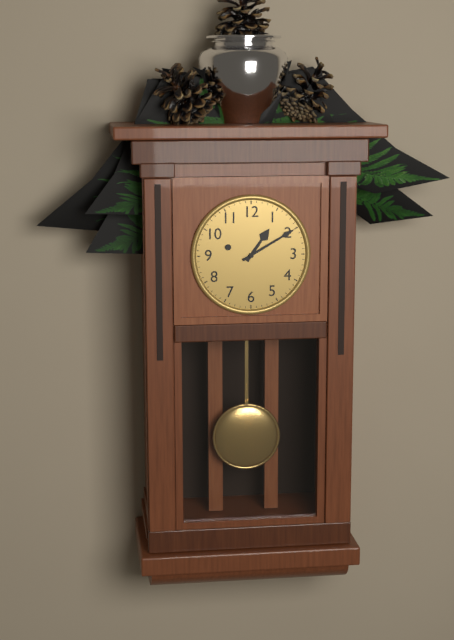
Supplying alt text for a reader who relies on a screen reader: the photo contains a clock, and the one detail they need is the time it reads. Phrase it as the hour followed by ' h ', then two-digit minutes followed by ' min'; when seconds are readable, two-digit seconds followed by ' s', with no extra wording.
1 h 10 min
